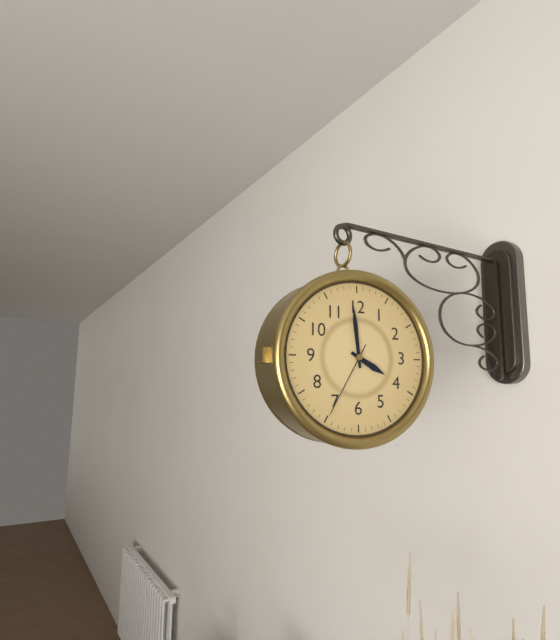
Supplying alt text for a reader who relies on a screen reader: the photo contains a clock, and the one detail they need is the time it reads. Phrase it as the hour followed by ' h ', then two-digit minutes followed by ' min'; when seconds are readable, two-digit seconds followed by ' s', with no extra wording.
3 h 59 min 35 s
